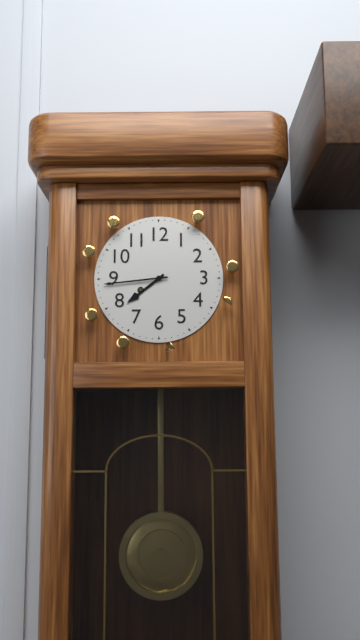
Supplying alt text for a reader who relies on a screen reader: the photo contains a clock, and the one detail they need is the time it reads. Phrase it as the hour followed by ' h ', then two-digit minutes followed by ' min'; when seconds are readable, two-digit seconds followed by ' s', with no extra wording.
7 h 44 min
